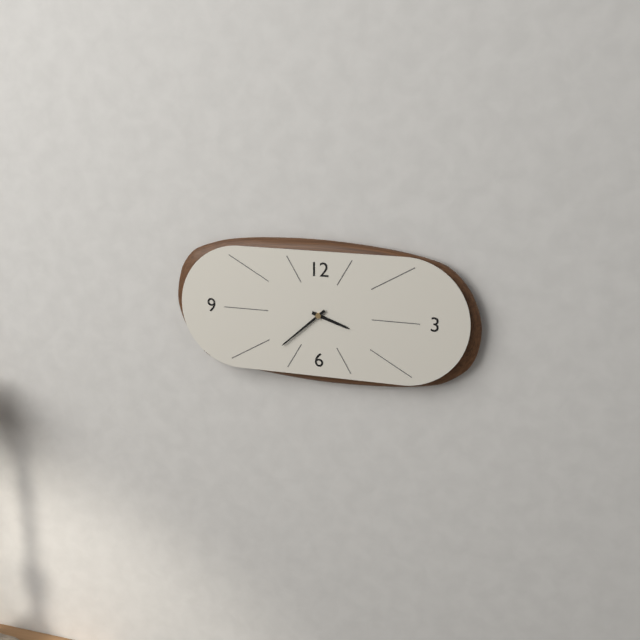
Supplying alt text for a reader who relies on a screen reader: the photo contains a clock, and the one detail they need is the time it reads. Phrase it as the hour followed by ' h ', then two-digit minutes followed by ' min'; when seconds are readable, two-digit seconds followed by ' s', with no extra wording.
3 h 38 min
